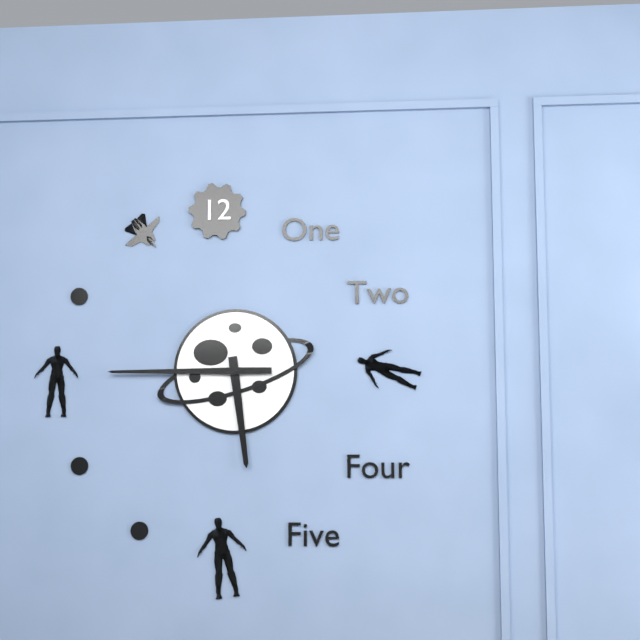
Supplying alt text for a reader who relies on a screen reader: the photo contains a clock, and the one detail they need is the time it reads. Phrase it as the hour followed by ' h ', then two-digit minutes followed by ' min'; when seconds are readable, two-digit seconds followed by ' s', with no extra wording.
5 h 45 min
